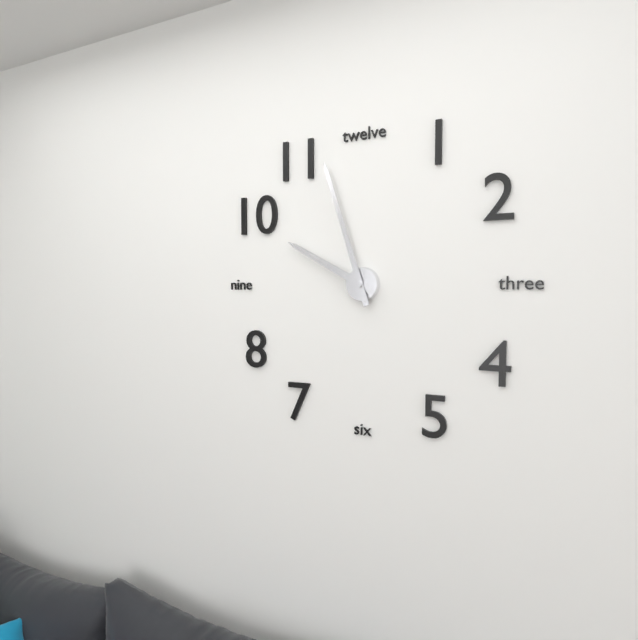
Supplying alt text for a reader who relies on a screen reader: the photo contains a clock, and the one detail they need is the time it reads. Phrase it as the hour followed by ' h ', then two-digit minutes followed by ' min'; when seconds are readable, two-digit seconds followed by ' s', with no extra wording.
9 h 57 min
